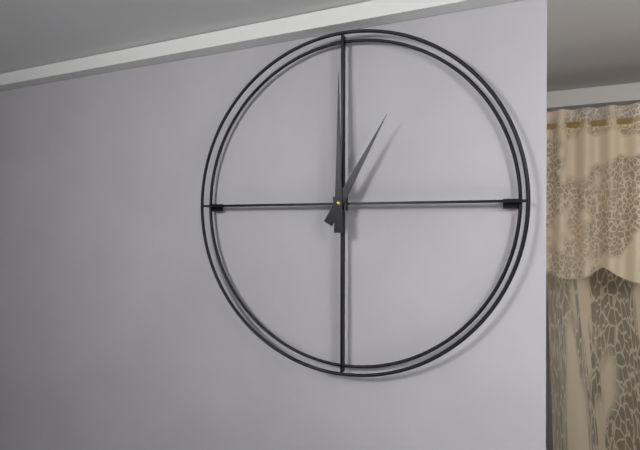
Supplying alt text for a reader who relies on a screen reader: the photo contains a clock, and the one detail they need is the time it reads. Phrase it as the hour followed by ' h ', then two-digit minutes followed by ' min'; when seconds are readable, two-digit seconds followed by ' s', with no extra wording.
1 h 00 min
